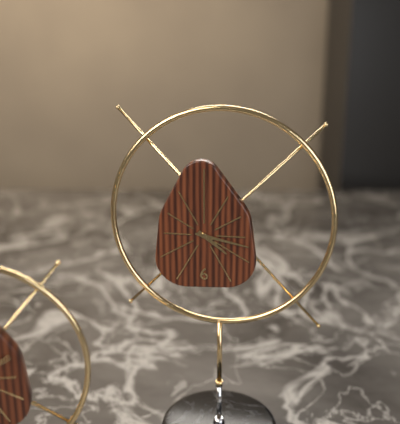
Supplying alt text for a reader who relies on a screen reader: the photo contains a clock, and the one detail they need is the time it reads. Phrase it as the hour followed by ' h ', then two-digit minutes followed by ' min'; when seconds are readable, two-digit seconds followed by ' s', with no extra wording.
4 h 17 min
